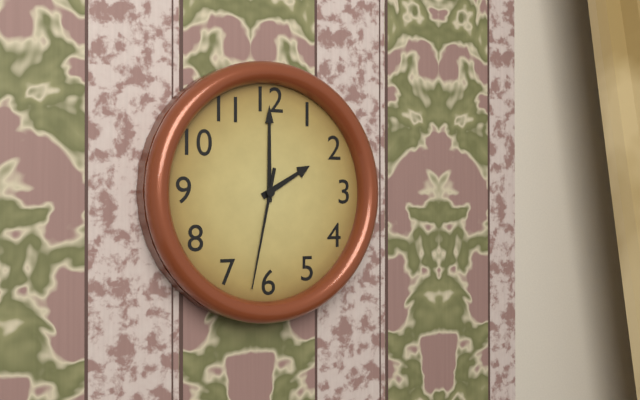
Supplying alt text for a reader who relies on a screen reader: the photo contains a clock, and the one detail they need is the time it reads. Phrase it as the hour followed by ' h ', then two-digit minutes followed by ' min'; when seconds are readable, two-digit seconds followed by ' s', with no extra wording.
2 h 00 min 32 s
